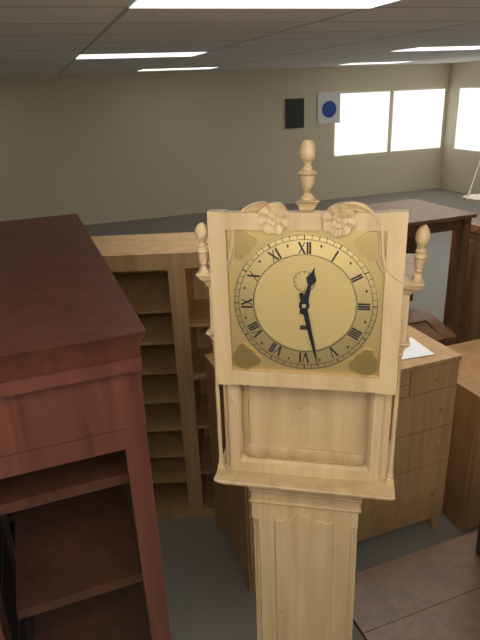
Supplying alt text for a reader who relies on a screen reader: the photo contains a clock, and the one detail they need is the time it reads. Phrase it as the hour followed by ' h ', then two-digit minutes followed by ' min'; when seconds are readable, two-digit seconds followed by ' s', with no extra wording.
12 h 28 min
